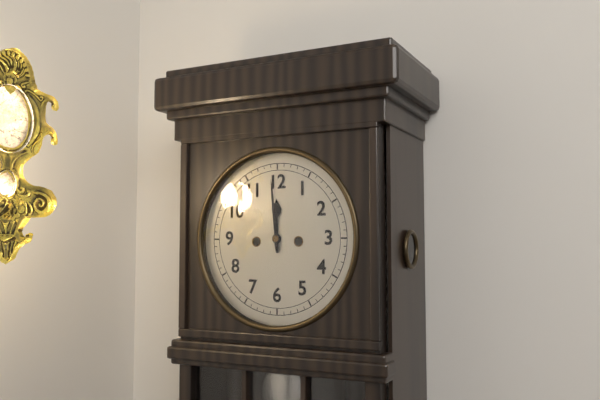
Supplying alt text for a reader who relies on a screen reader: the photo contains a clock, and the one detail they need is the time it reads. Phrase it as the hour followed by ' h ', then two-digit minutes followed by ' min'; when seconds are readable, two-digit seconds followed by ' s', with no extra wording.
11 h 59 min
